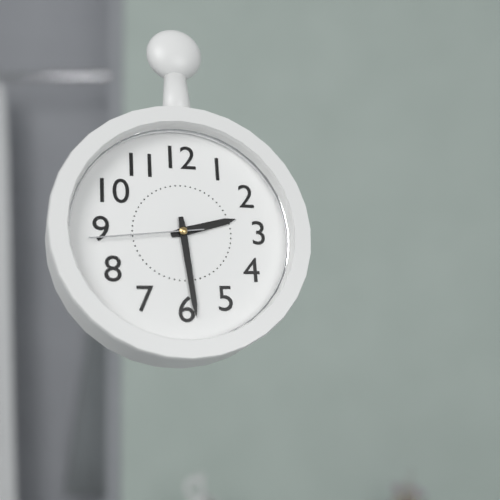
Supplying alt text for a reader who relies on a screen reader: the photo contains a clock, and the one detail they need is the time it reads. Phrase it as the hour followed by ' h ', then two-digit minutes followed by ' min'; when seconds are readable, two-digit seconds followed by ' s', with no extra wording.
2 h 29 min 44 s
